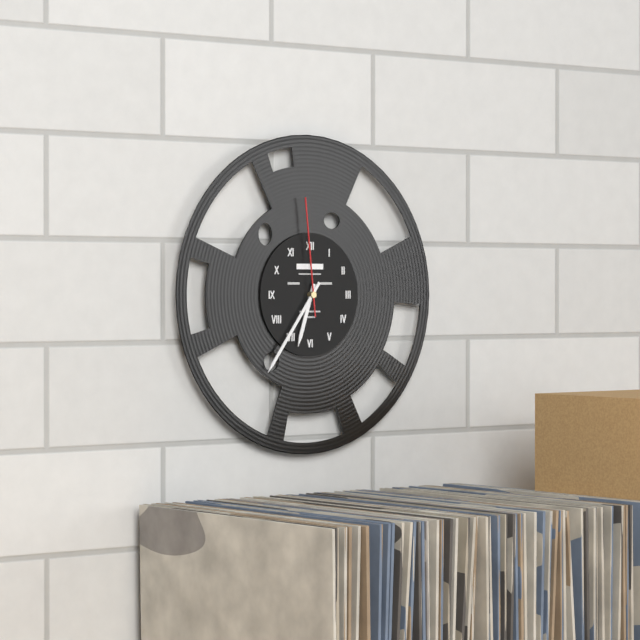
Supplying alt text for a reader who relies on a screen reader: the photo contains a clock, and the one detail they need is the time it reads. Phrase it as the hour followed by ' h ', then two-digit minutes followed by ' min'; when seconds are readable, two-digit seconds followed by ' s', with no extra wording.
6 h 36 min 59 s
